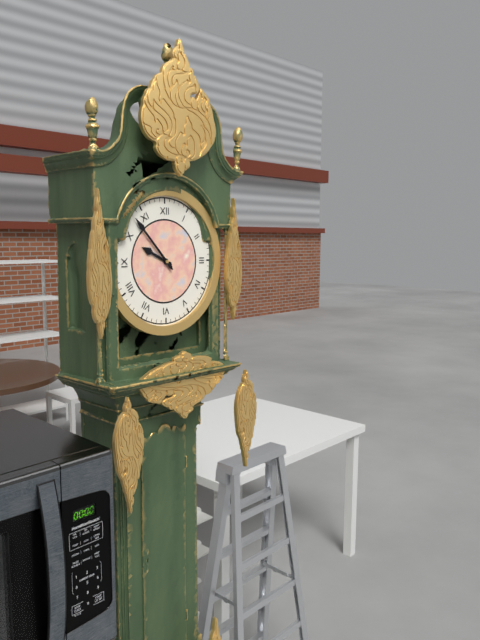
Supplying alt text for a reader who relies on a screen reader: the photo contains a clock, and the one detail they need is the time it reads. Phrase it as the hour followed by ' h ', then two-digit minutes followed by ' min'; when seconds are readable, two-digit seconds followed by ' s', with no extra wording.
9 h 53 min
